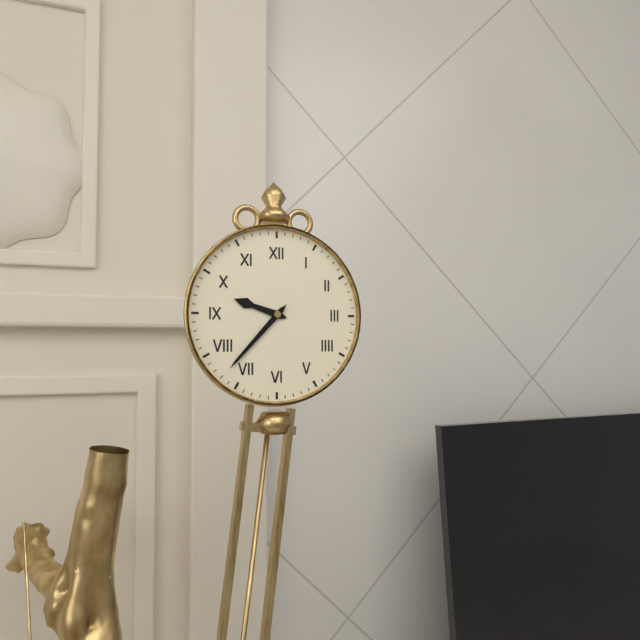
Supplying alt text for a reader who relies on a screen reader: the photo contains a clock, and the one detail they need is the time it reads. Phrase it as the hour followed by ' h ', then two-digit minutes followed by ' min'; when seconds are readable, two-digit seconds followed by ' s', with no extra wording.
9 h 37 min
